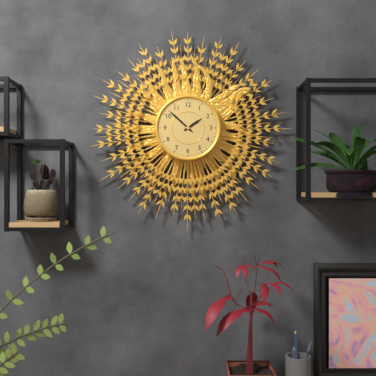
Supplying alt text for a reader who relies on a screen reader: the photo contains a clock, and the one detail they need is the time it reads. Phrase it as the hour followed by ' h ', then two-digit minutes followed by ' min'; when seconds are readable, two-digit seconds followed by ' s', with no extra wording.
1 h 52 min
